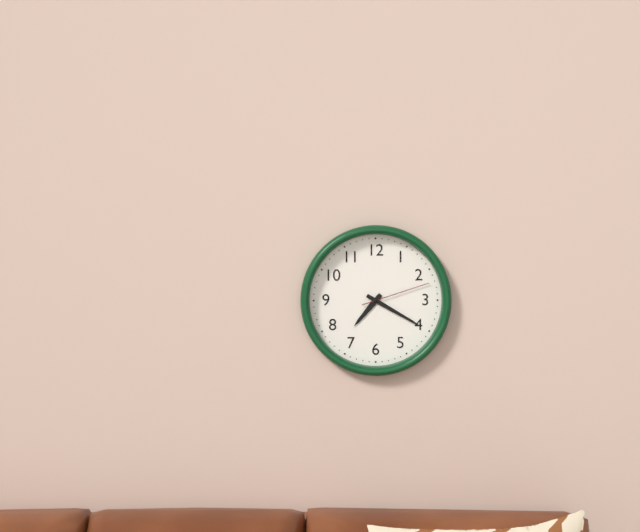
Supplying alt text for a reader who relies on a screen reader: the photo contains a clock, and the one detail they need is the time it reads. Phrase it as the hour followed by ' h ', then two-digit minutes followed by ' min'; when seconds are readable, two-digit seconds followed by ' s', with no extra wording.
7 h 20 min 12 s
